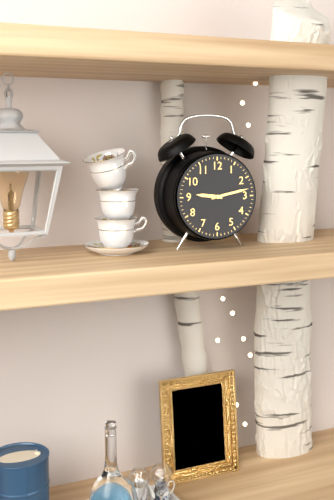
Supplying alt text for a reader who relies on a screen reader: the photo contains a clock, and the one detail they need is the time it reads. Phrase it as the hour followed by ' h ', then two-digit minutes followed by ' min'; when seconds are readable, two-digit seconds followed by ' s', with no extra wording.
9 h 13 min
